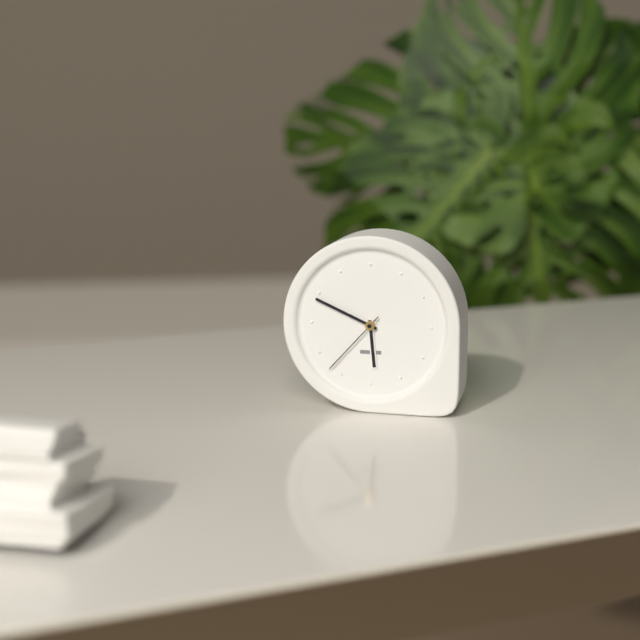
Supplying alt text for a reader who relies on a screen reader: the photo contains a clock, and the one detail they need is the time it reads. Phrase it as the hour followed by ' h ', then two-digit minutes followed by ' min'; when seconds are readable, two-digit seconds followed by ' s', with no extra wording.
5 h 49 min 37 s
